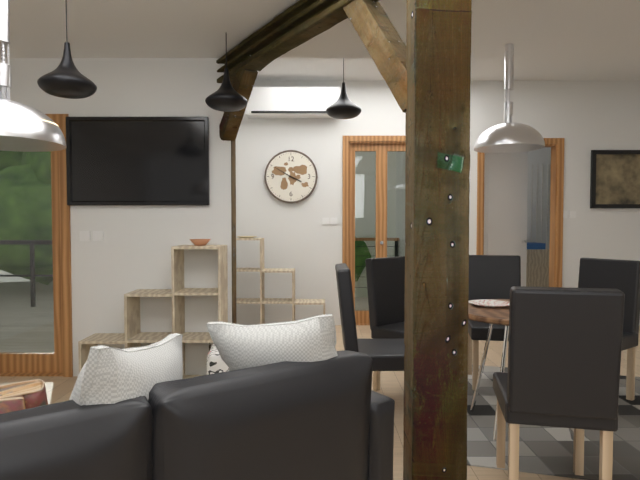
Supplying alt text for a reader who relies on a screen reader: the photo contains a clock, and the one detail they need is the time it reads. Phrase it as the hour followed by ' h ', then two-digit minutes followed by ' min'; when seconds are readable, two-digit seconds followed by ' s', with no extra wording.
3 h 50 min
